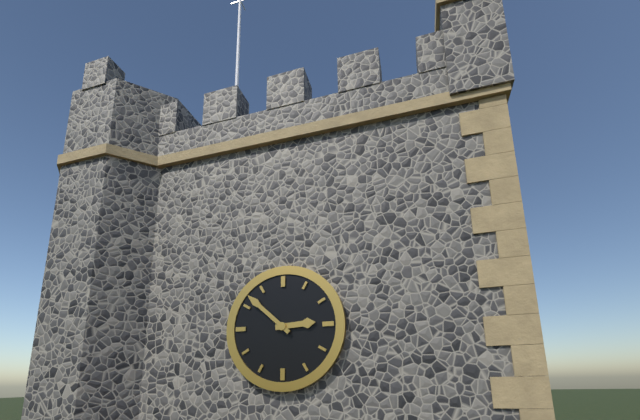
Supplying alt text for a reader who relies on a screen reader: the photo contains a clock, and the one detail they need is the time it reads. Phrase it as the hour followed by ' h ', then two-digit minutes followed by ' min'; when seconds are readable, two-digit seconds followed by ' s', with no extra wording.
2 h 52 min
